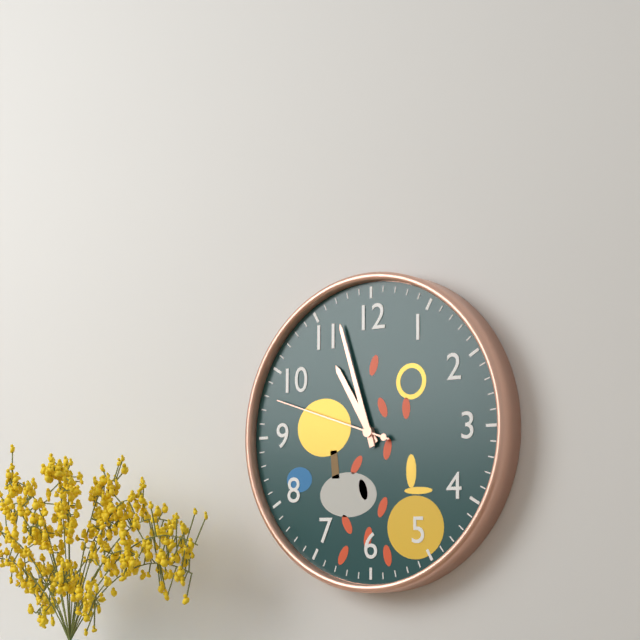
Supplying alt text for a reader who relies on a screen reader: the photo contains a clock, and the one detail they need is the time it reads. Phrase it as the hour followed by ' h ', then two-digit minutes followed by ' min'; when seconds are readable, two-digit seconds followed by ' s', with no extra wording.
10 h 57 min 48 s
